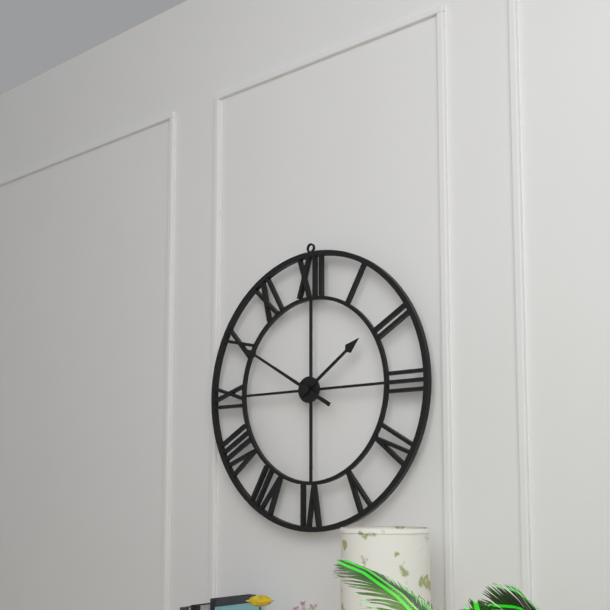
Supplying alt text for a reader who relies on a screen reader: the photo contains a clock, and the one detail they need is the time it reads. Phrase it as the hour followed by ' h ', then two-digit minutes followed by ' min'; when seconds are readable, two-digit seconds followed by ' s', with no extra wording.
1 h 50 min
